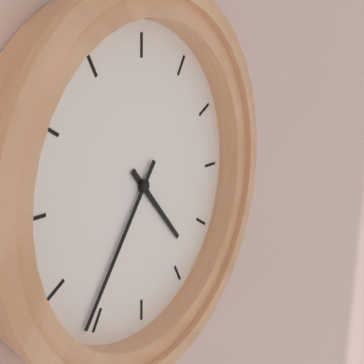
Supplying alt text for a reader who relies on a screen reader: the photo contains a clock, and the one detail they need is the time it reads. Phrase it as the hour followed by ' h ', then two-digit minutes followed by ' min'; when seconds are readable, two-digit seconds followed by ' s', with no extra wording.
4 h 36 min
